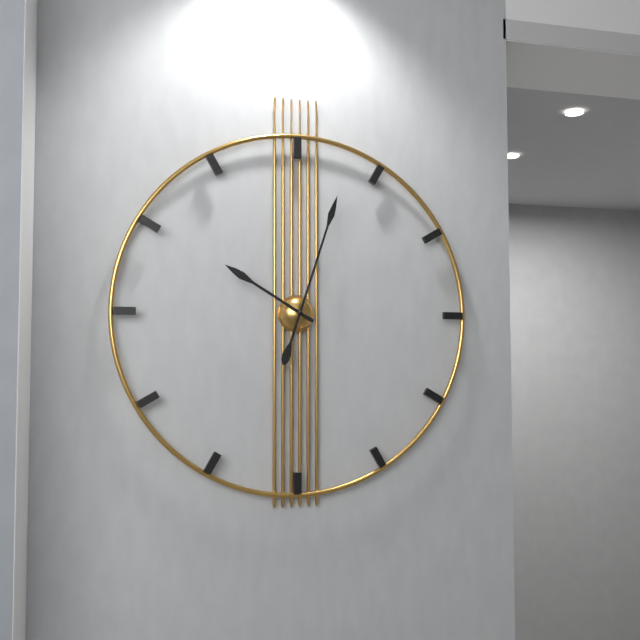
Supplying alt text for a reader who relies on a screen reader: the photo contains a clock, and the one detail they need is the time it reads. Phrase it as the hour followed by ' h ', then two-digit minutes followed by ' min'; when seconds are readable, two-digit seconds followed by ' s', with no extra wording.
10 h 03 min
